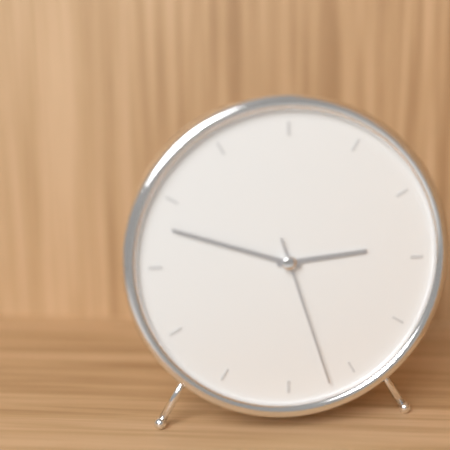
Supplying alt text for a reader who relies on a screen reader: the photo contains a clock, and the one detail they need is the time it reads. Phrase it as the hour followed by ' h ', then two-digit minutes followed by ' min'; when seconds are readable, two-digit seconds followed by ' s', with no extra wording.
2 h 48 min 27 s
